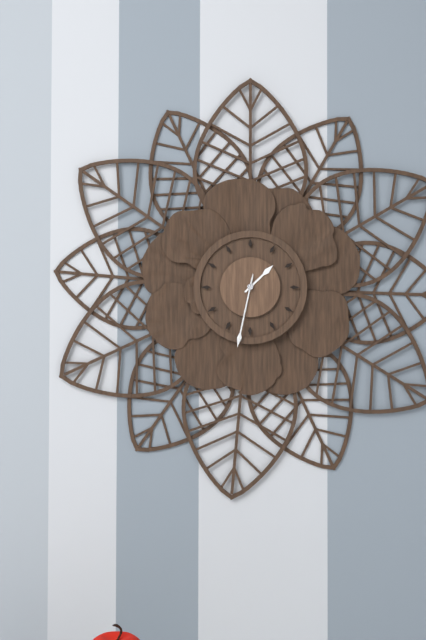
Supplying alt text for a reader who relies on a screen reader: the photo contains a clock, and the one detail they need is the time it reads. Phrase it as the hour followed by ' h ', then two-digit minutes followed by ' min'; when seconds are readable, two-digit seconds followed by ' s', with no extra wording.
1 h 32 min 32 s
